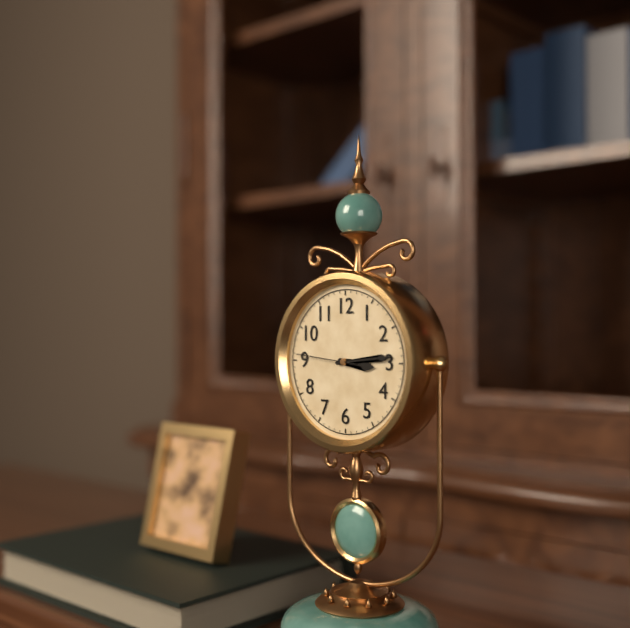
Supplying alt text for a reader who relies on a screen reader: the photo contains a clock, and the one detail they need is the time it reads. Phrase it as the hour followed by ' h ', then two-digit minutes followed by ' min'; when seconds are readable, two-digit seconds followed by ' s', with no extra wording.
3 h 14 min 46 s
